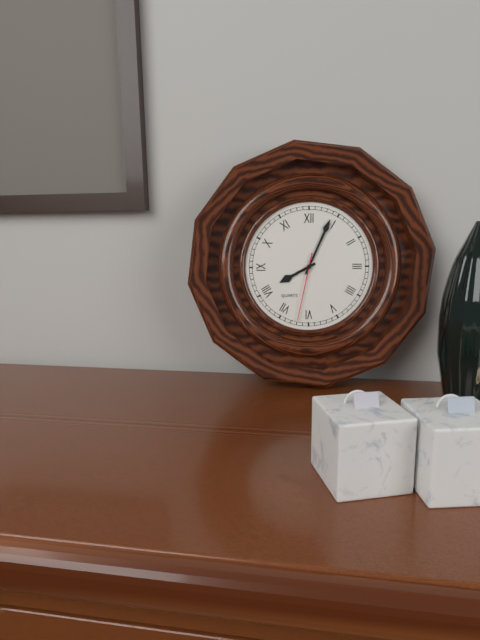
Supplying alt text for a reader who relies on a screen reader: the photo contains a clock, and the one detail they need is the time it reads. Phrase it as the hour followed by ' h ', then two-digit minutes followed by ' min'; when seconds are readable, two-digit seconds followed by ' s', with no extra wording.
8 h 04 min 32 s
